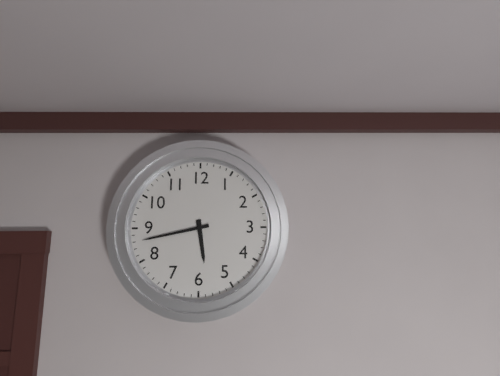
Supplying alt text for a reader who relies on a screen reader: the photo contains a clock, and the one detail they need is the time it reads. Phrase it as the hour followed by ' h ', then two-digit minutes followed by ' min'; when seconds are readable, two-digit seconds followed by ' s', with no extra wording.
5 h 43 min
